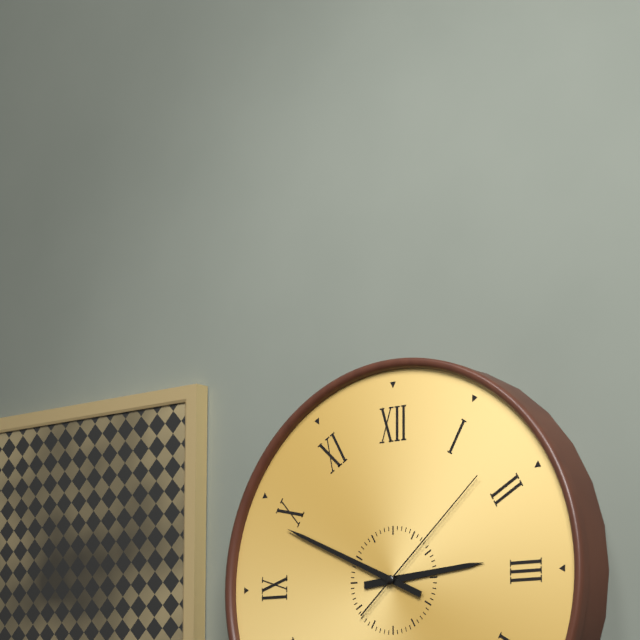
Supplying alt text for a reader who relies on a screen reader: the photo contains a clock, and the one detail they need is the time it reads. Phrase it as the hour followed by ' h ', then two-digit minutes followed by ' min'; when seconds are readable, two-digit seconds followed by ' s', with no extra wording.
2 h 49 min 08 s
